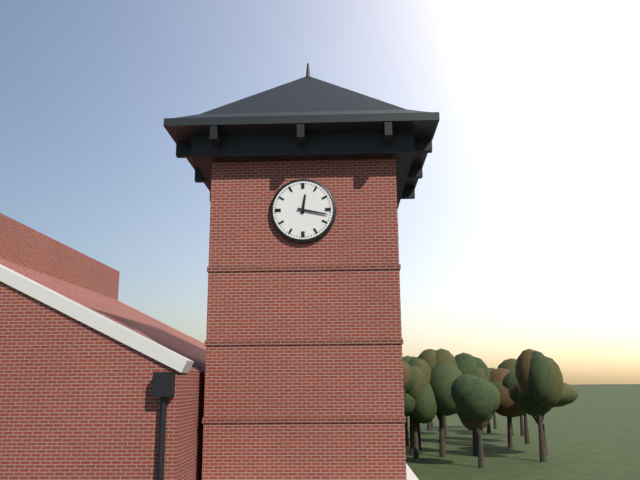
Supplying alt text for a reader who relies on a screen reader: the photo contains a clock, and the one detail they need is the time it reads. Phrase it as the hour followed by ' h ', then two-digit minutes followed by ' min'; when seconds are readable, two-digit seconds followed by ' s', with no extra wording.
12 h 17 min
